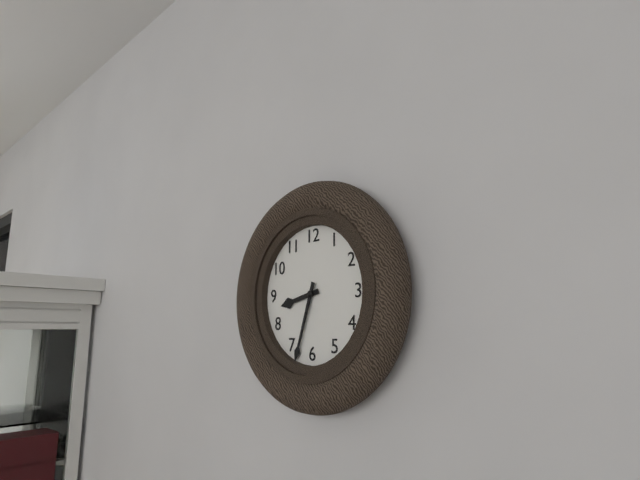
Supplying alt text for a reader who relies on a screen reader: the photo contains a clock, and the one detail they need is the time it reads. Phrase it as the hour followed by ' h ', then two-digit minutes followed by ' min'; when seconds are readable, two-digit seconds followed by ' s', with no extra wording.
8 h 33 min
